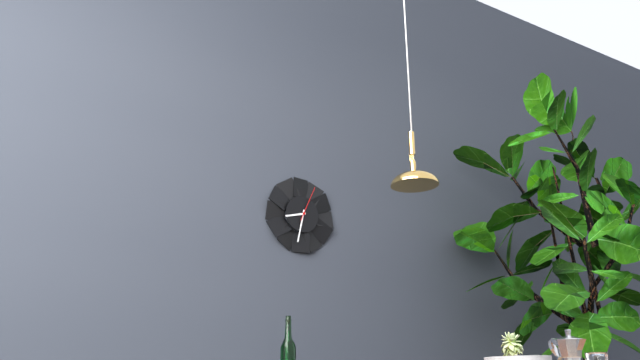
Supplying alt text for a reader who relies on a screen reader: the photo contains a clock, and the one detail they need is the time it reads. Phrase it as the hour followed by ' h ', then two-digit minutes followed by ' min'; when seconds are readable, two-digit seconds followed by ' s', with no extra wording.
8 h 32 min
